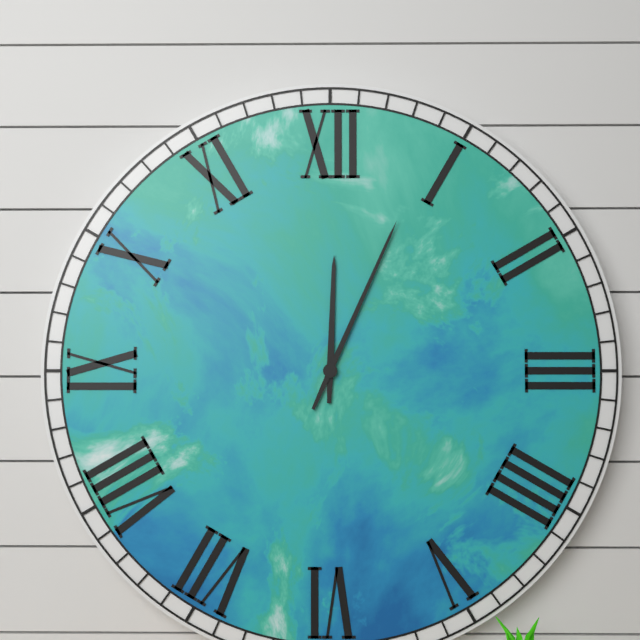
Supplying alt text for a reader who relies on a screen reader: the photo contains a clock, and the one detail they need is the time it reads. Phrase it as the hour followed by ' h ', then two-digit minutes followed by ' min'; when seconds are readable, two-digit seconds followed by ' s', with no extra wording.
12 h 04 min
